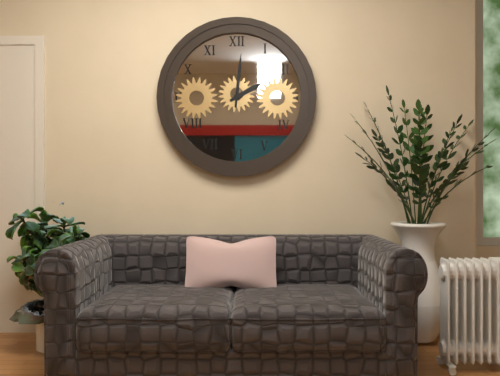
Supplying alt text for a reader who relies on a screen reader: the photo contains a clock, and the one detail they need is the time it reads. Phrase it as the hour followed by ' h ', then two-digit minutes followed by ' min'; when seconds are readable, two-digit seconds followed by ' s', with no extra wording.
2 h 01 min
